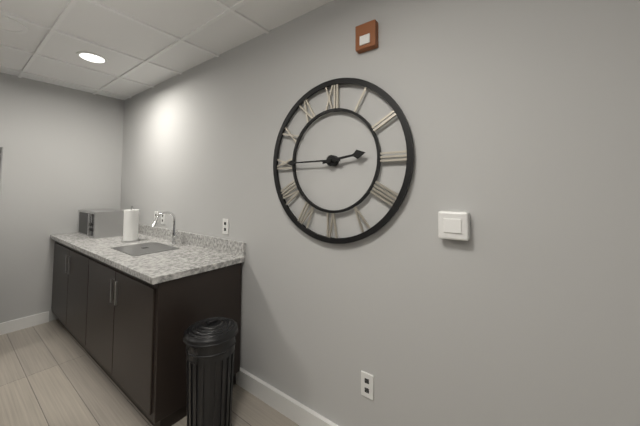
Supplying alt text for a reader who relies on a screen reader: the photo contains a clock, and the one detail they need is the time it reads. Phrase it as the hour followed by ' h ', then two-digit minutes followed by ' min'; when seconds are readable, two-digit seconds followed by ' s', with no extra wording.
2 h 45 min
